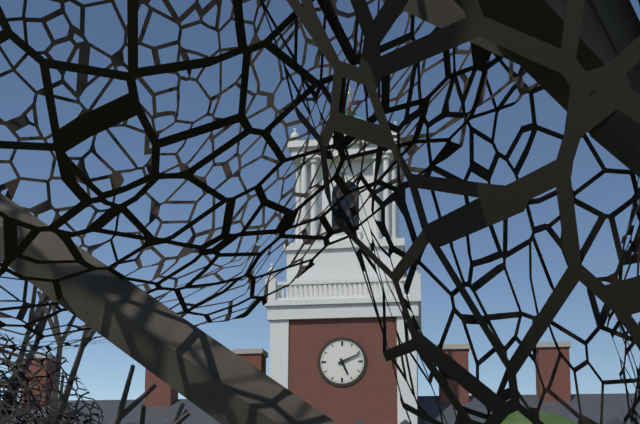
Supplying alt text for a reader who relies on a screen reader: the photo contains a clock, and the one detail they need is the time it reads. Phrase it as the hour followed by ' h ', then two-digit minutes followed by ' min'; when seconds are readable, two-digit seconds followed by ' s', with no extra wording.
5 h 11 min
